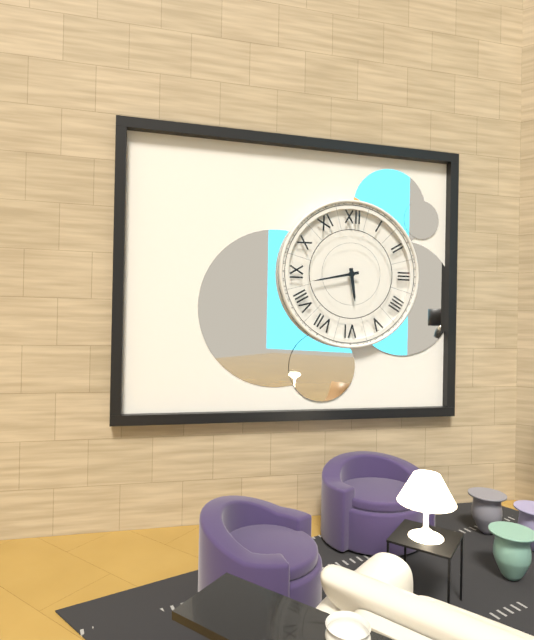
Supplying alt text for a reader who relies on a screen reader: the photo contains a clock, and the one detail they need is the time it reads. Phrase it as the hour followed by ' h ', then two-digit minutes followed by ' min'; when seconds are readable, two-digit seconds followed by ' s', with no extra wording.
5 h 43 min
